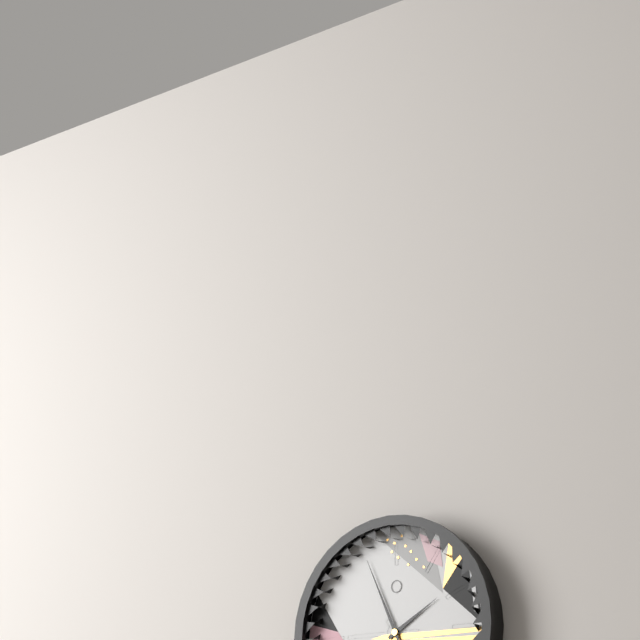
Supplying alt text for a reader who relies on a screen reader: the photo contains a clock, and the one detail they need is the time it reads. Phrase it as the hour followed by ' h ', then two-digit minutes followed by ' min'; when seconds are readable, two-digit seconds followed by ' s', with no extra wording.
1 h 56 min
